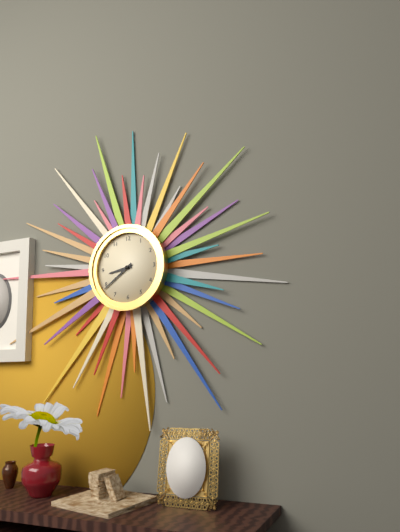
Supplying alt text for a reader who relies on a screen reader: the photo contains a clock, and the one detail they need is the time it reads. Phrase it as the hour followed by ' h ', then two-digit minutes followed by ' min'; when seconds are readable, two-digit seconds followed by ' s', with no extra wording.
8 h 39 min
